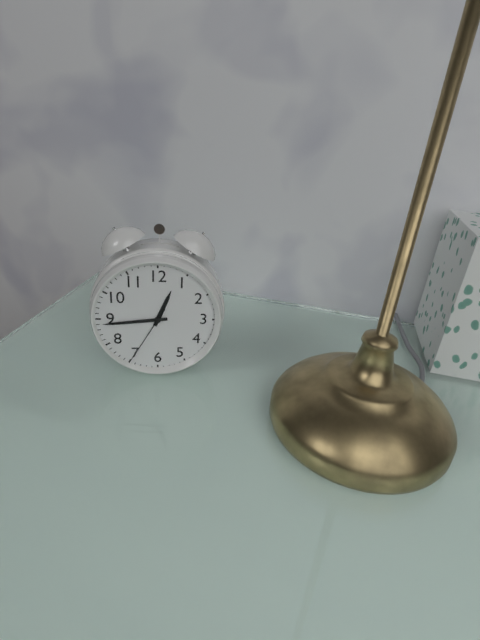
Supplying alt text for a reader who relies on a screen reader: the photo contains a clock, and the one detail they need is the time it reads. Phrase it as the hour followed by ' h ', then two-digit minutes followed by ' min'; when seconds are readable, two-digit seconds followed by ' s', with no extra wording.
12 h 44 min 35 s
